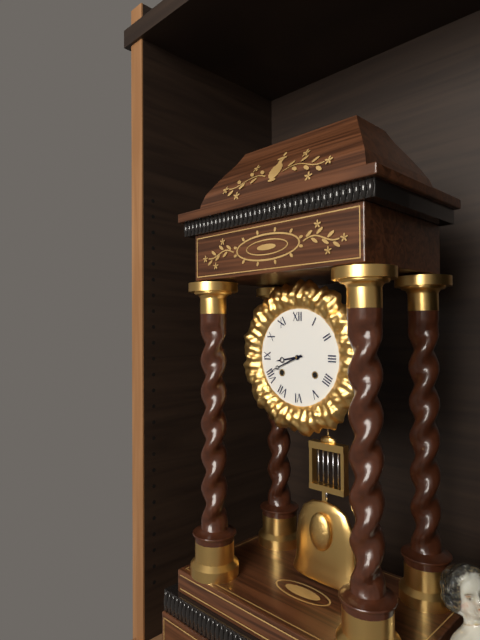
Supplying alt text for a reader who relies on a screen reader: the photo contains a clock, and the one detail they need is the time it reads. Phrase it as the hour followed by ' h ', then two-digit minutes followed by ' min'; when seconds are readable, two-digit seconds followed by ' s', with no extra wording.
8 h 41 min
